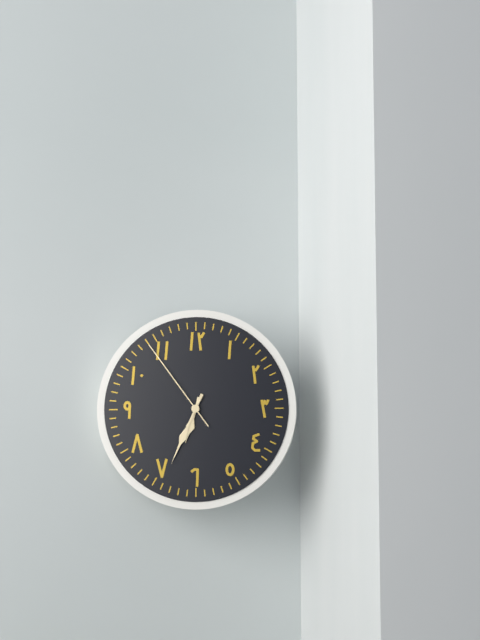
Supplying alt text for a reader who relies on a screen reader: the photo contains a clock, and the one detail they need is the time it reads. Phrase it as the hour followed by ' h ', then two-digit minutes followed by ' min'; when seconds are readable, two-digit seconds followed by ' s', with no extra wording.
6 h 34 min 54 s
